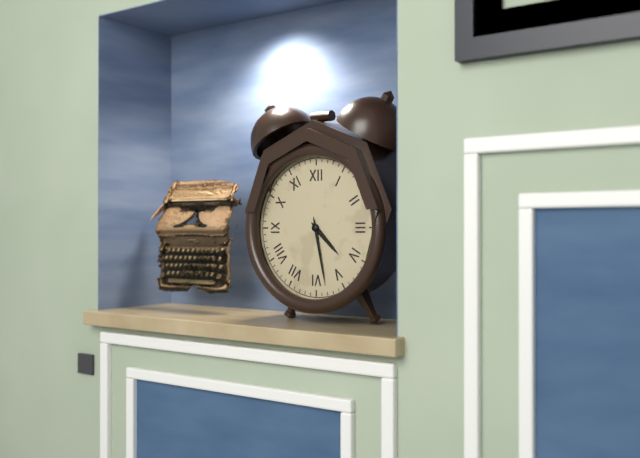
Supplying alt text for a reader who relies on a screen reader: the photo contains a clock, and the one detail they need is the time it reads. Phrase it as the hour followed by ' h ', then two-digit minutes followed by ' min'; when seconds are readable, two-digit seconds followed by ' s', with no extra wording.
4 h 28 min
